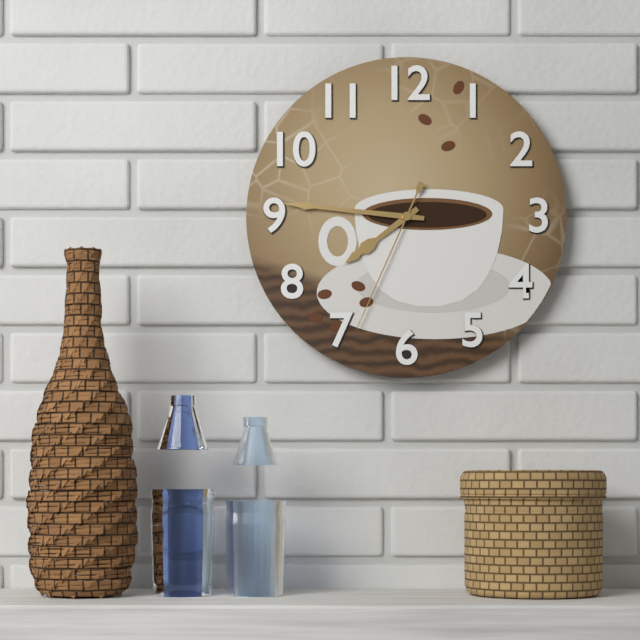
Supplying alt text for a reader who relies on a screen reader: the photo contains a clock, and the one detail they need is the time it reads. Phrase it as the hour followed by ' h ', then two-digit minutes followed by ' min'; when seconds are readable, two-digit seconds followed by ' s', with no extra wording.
7 h 46 min 34 s
